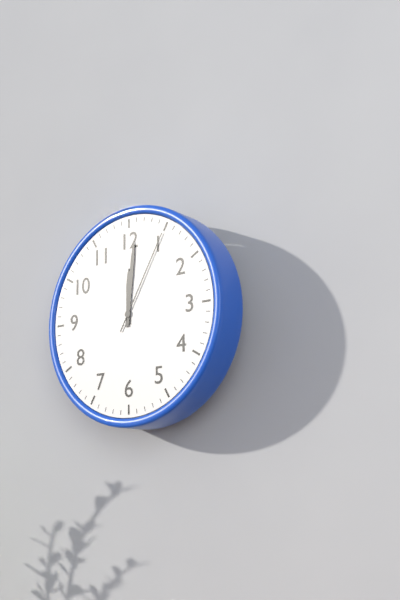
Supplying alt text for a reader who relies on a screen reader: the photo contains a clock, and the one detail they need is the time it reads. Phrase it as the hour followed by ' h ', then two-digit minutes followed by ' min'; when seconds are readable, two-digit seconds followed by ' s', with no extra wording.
12 h 01 min 05 s
